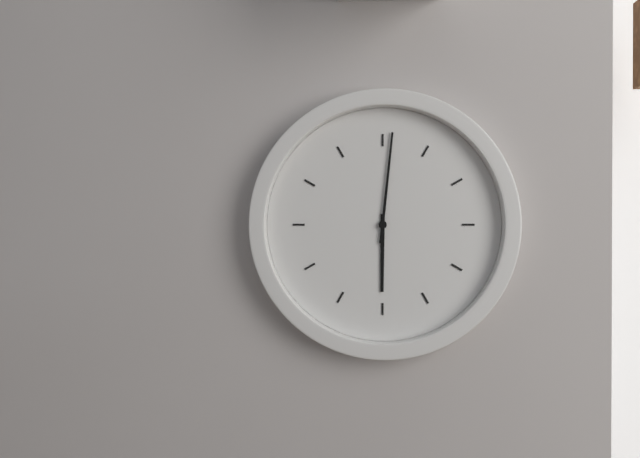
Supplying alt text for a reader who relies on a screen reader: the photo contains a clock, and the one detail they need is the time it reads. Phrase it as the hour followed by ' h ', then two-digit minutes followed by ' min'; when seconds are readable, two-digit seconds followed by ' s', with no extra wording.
6 h 01 min
